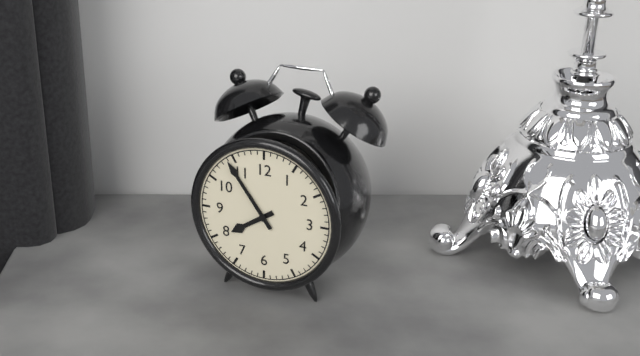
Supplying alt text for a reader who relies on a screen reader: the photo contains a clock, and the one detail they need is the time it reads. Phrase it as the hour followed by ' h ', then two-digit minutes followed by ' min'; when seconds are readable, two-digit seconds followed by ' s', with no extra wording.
7 h 54 min
